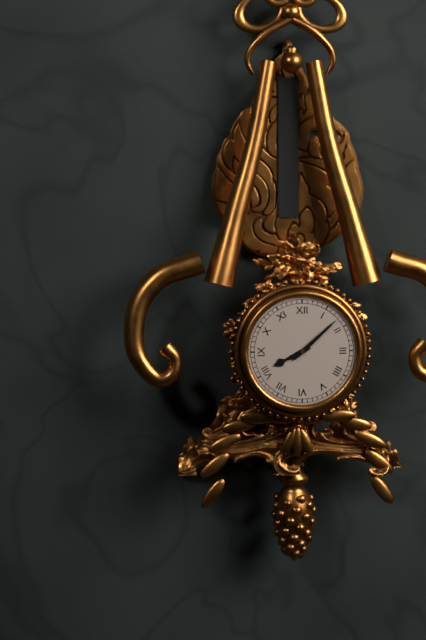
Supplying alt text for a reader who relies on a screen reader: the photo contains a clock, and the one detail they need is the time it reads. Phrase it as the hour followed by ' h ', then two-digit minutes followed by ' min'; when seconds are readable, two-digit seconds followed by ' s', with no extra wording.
8 h 08 min
